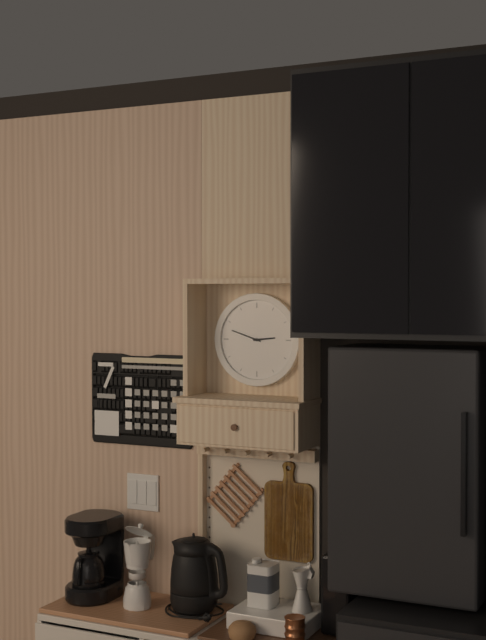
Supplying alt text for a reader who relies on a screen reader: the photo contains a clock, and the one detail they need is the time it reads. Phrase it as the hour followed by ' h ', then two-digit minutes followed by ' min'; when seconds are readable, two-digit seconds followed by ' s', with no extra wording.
2 h 48 min
